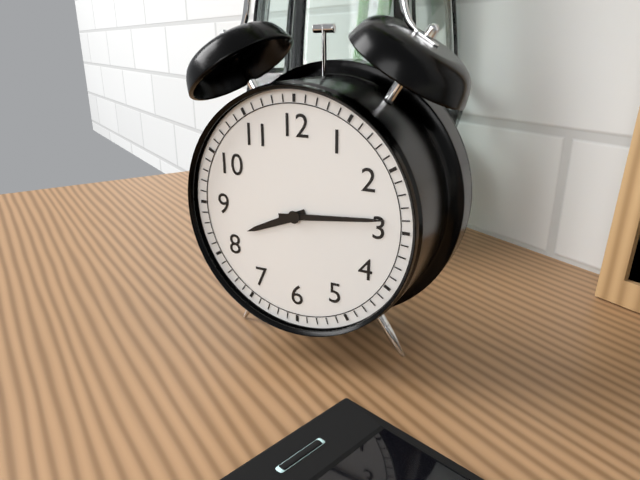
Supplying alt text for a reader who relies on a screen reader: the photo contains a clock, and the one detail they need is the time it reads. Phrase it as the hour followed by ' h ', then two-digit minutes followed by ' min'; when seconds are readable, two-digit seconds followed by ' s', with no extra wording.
8 h 14 min
